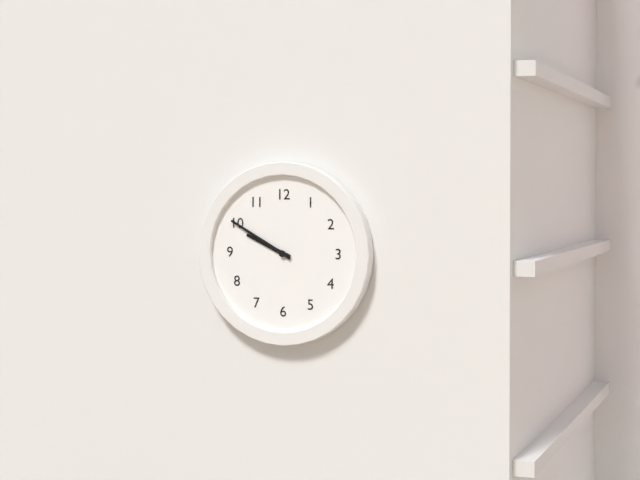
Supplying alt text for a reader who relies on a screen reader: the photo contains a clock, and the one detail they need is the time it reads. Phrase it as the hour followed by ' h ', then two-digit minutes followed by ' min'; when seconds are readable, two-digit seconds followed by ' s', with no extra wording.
9 h 50 min
